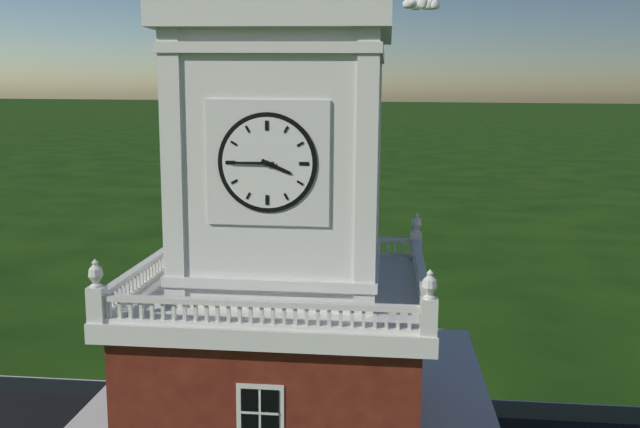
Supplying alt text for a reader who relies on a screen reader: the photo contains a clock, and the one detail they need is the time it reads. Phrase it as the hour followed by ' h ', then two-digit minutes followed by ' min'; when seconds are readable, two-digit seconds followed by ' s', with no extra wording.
3 h 45 min
